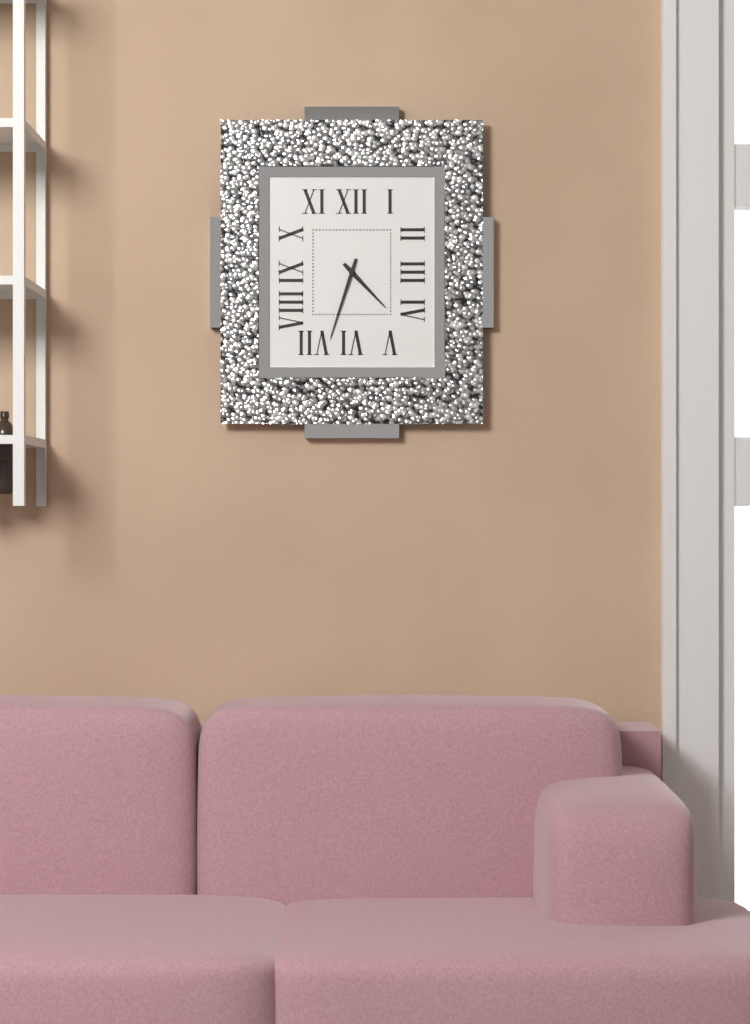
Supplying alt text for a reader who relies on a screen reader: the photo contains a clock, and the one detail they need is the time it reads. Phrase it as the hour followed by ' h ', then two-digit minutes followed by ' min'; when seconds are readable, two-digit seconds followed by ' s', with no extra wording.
4 h 33 min
